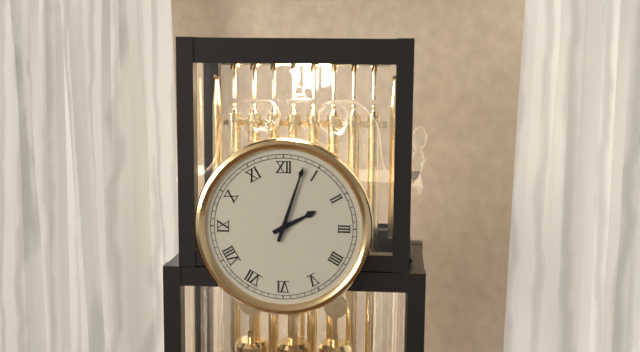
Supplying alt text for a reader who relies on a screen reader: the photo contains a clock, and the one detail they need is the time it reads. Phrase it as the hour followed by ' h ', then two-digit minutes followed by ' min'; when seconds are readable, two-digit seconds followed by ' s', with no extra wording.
2 h 03 min
